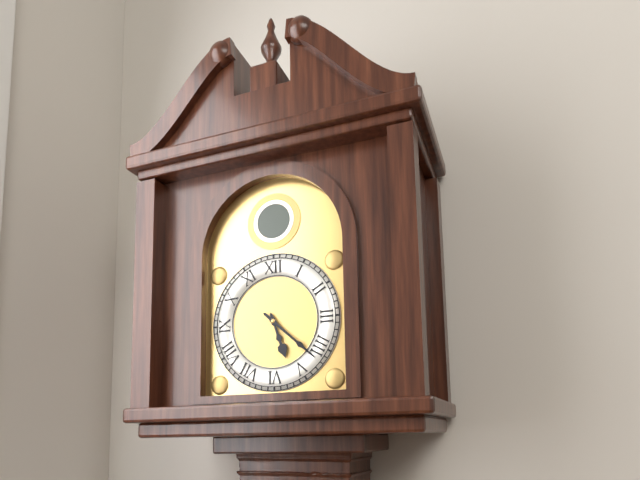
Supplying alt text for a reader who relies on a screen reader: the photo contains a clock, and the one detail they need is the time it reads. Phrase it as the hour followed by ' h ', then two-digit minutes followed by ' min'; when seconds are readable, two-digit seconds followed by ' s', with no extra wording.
5 h 22 min
